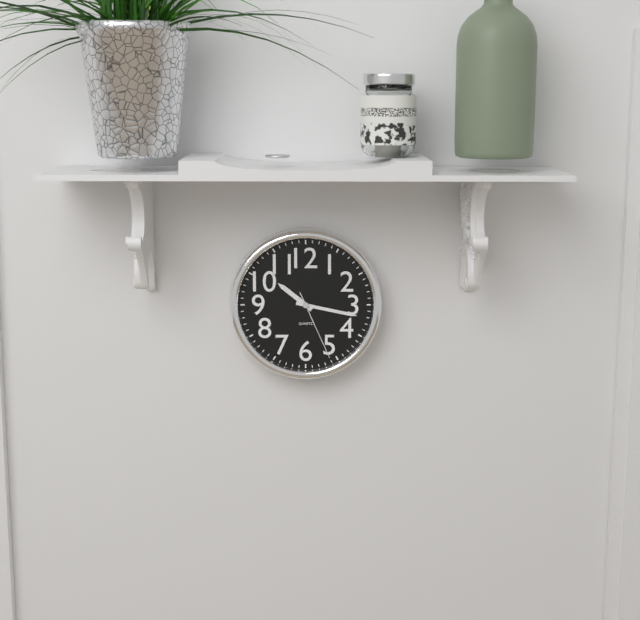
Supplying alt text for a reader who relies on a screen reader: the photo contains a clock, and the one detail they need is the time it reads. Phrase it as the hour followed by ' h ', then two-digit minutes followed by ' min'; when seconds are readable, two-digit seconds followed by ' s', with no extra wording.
10 h 17 min 26 s
